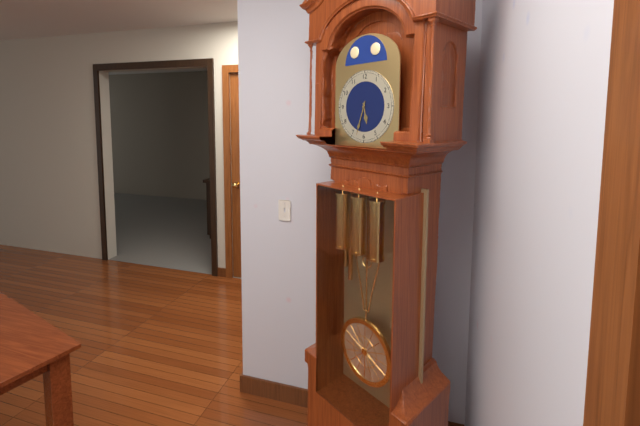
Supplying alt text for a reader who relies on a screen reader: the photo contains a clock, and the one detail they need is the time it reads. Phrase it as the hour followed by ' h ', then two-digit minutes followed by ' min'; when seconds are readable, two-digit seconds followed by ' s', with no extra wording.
5 h 33 min
